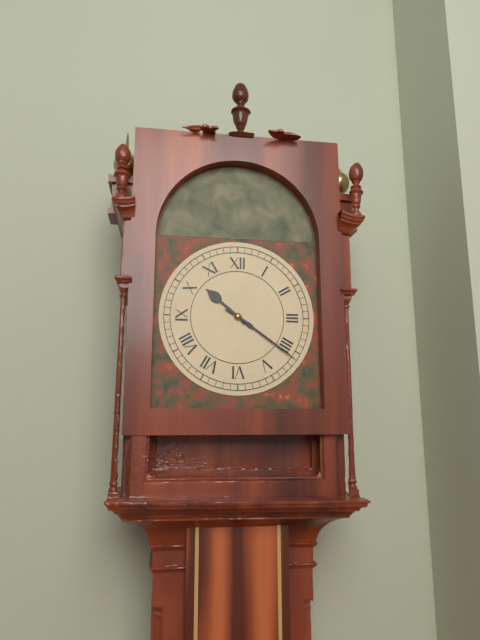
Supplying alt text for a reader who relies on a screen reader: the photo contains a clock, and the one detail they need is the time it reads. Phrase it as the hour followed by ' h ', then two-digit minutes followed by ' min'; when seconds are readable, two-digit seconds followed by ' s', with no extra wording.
10 h 21 min
